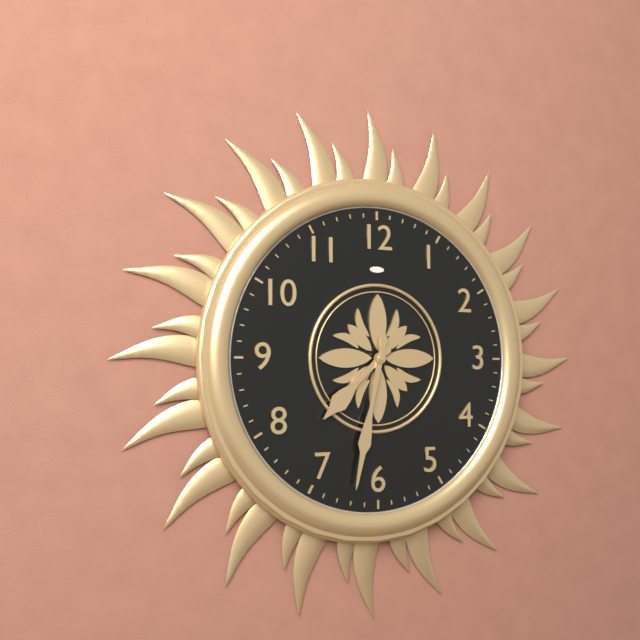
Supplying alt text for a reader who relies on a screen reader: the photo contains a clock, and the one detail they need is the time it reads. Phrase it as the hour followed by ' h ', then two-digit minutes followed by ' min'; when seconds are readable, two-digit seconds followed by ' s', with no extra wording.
7 h 32 min
